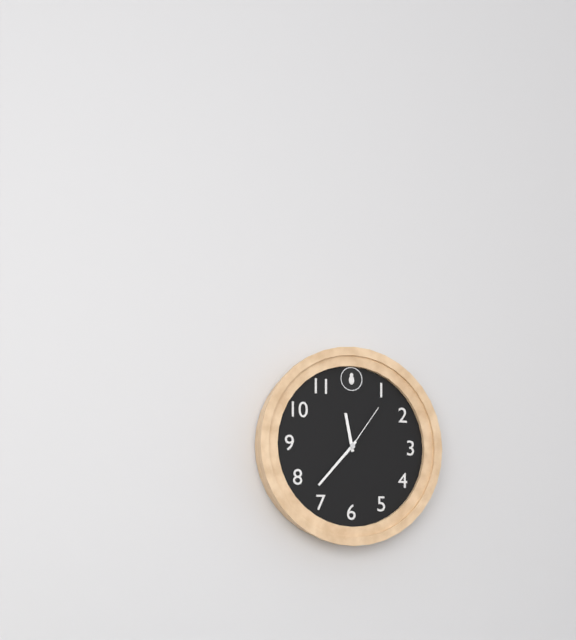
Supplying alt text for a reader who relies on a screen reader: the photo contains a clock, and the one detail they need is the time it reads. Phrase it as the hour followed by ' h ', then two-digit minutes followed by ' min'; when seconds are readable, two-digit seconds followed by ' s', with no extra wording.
11 h 37 min 06 s
